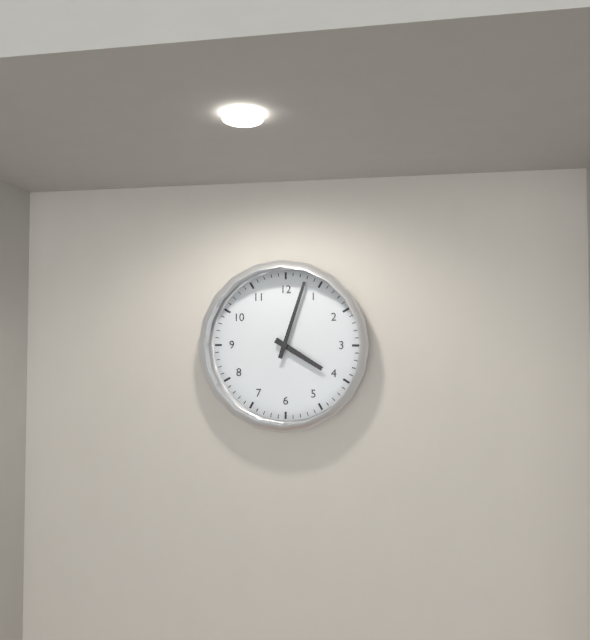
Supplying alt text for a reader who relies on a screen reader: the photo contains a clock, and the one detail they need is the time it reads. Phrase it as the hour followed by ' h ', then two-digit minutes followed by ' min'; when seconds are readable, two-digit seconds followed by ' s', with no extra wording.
4 h 03 min
